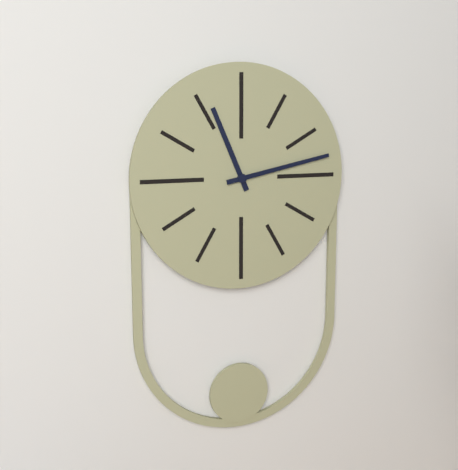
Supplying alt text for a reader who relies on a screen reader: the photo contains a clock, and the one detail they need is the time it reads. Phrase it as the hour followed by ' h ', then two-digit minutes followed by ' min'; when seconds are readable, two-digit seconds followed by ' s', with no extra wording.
11 h 13 min
